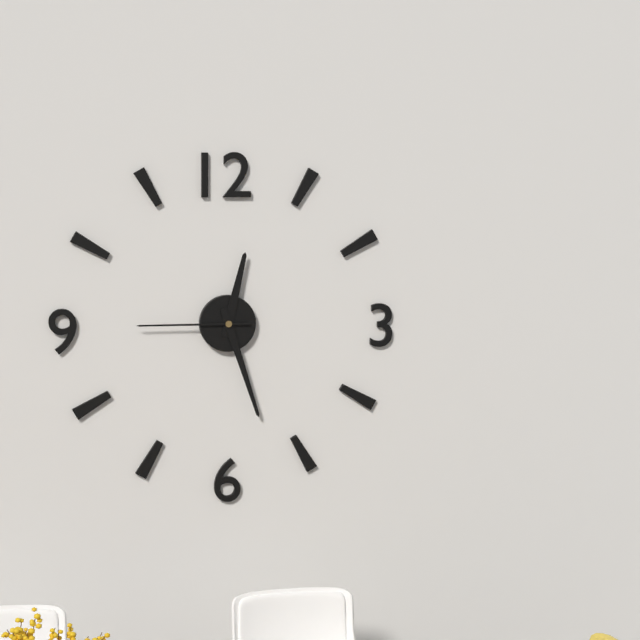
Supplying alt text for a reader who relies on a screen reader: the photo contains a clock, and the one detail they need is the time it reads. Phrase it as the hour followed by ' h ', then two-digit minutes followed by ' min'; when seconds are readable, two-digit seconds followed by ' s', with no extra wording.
12 h 27 min 45 s
